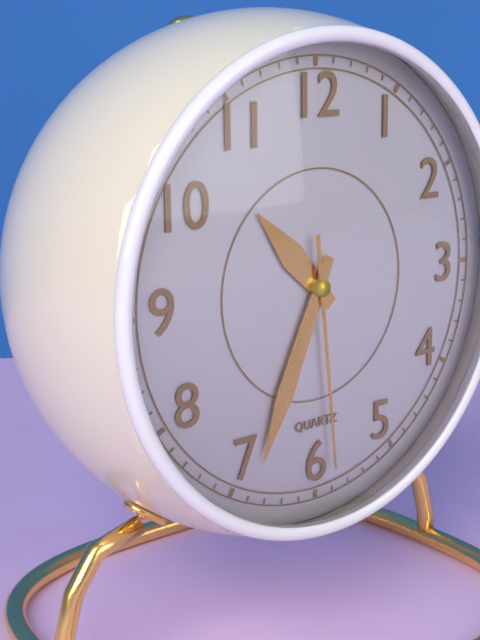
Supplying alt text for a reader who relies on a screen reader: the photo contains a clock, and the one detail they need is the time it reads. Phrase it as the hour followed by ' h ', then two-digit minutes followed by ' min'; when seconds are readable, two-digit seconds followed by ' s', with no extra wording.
10 h 34 min 29 s
